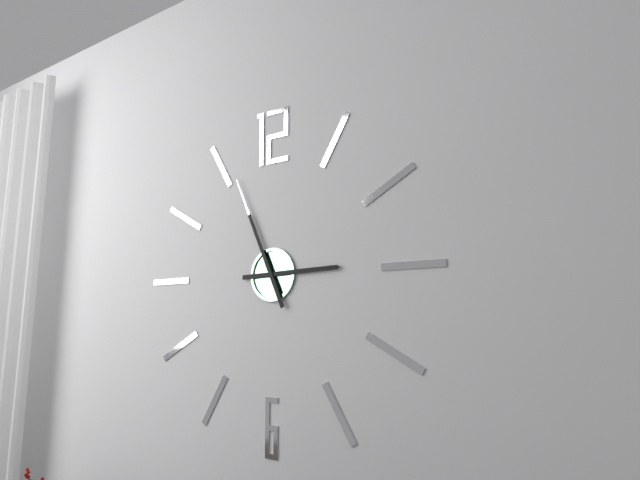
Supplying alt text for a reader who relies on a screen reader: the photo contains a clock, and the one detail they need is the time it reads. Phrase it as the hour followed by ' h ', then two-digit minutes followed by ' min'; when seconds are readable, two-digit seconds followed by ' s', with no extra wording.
2 h 56 min
